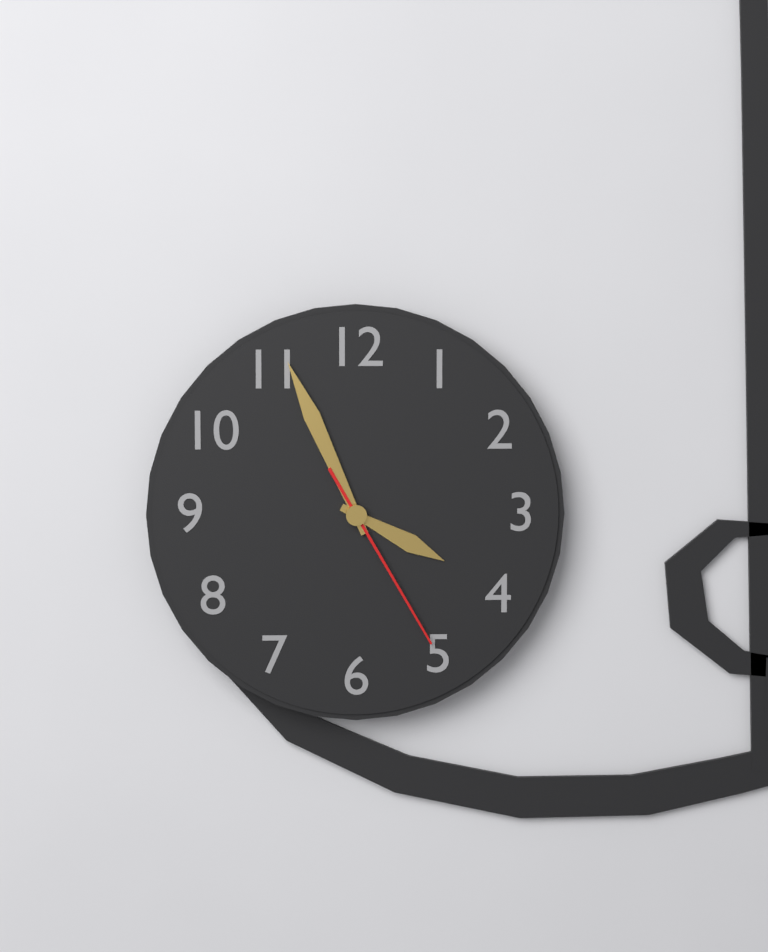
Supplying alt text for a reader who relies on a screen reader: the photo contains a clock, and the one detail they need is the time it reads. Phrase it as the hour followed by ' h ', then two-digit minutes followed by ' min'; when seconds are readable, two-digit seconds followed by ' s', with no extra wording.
3 h 56 min 25 s
